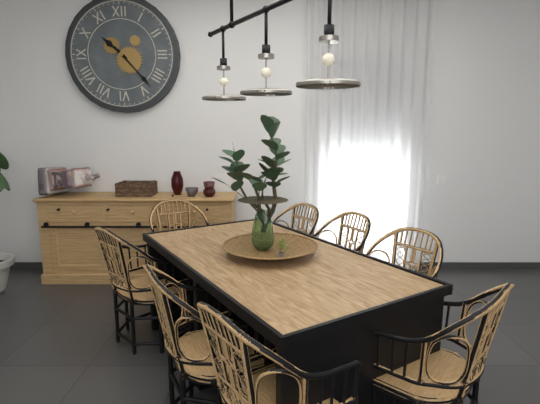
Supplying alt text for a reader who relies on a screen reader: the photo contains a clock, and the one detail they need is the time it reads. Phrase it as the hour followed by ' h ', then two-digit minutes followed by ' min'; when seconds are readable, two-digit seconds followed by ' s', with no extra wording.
10 h 23 min
